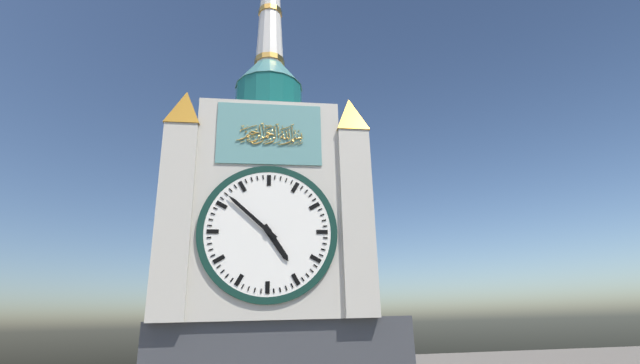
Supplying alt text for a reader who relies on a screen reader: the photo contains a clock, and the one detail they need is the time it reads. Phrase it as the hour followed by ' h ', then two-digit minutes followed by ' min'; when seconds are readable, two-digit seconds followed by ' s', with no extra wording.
4 h 52 min
